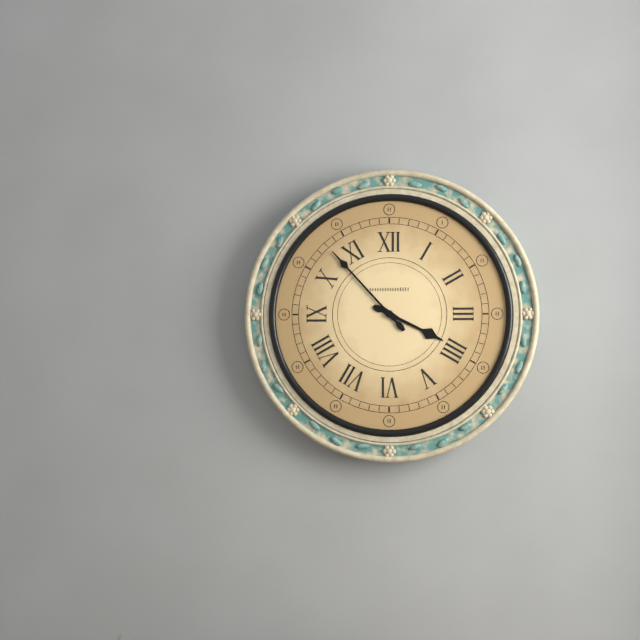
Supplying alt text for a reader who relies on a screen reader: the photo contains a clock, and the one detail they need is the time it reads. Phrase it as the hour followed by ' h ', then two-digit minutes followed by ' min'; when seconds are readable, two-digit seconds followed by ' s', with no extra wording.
3 h 53 min
